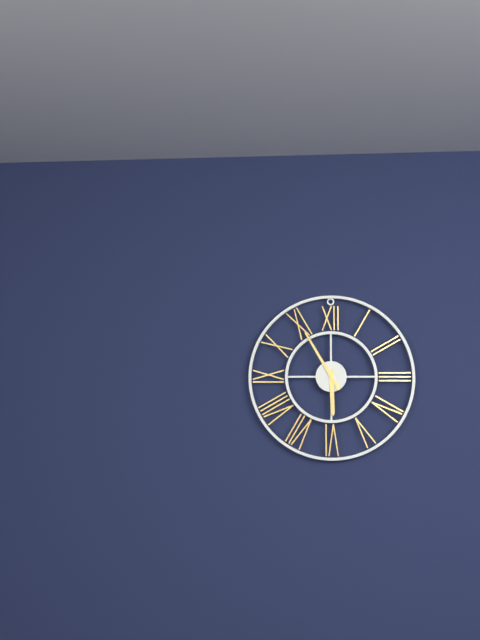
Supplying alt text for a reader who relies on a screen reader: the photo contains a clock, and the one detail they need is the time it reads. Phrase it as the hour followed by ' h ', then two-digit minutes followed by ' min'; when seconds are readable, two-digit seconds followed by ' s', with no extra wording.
5 h 55 min
